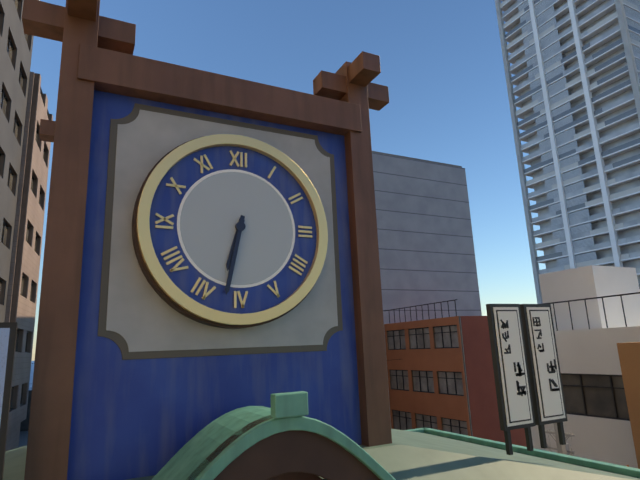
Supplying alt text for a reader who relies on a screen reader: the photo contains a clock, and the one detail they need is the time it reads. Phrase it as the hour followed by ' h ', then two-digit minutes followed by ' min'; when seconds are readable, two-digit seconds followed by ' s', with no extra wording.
6 h 32 min
